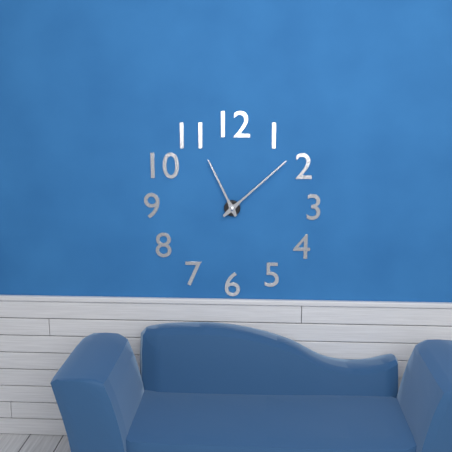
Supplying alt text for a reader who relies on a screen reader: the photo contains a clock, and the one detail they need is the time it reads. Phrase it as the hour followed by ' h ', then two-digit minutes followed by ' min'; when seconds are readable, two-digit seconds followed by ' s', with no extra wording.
11 h 08 min
